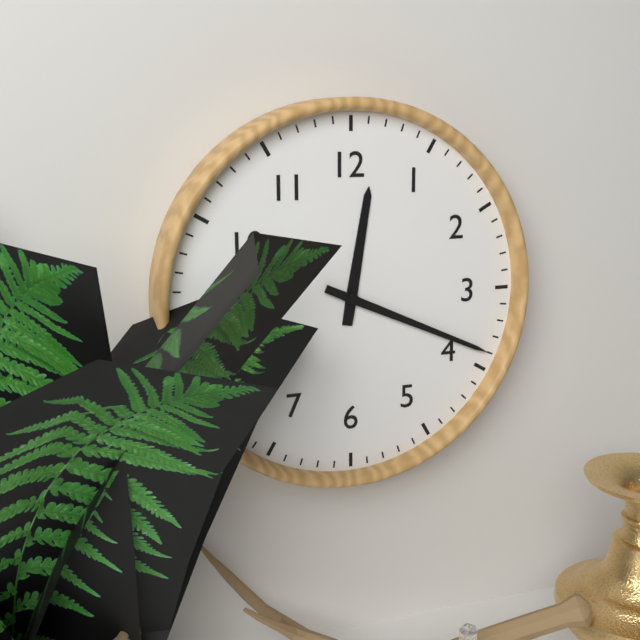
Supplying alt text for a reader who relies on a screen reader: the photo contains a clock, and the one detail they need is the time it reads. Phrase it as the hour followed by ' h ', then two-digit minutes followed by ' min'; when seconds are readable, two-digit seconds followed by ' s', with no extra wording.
12 h 19 min
